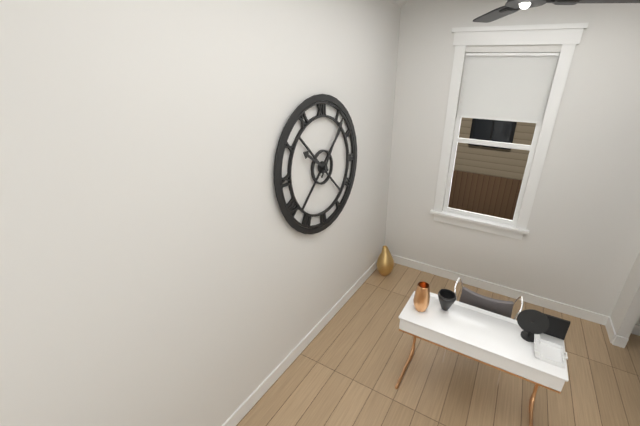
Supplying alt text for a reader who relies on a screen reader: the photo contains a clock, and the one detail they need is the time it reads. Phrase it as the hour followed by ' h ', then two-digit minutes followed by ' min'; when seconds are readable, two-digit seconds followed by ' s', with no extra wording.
10 h 06 min
